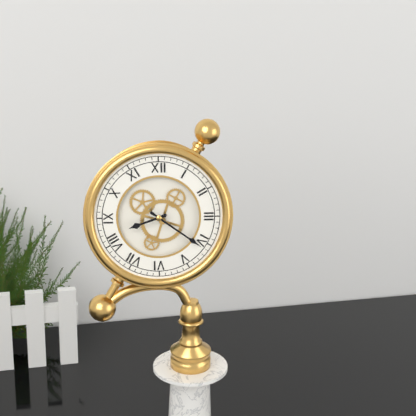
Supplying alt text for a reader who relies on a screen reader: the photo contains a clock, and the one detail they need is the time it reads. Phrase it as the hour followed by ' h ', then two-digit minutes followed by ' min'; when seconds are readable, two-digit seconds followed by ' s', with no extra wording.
8 h 21 min
